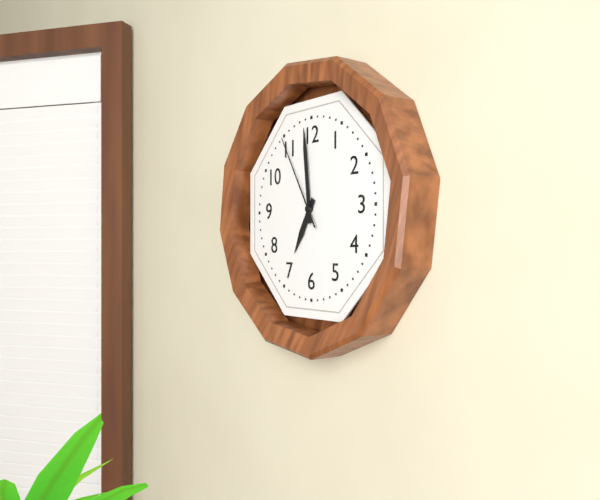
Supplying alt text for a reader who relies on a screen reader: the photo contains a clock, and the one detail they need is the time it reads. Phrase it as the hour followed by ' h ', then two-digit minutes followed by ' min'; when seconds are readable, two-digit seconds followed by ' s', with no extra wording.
6 h 59 min 55 s
